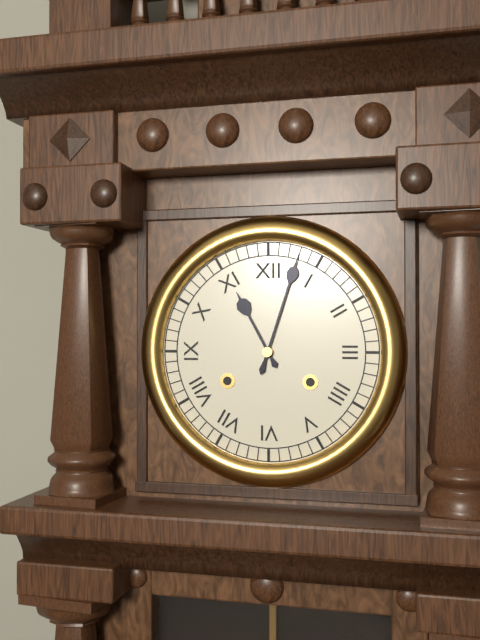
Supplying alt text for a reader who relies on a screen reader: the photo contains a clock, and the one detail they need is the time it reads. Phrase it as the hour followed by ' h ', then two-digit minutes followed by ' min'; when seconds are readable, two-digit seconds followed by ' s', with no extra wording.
11 h 03 min
